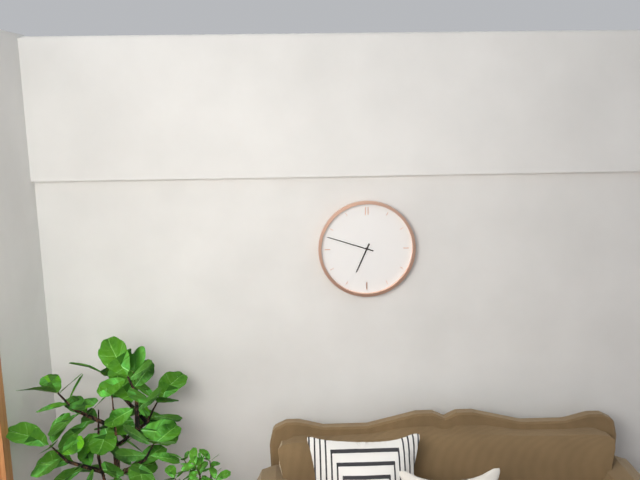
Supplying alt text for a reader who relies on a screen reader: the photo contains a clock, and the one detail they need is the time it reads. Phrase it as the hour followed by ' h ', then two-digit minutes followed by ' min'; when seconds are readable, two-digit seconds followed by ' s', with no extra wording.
6 h 48 min
